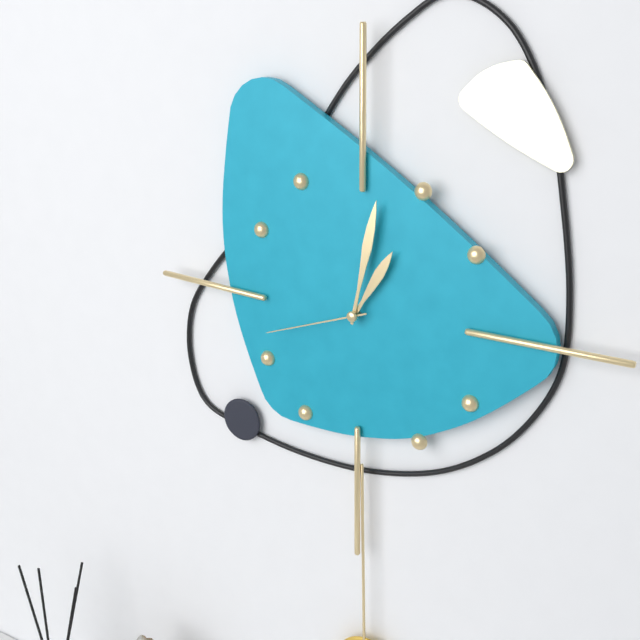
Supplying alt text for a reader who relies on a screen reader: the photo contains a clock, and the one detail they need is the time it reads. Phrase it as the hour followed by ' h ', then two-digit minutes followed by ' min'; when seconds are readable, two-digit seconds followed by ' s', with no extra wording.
1 h 02 min 42 s
